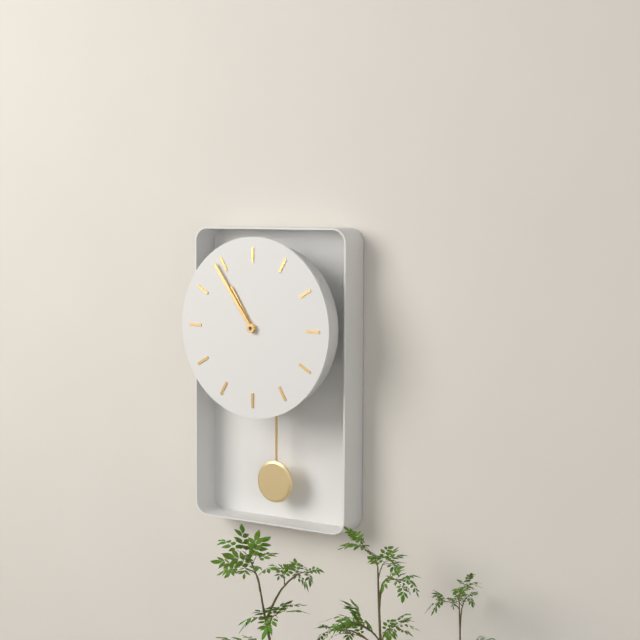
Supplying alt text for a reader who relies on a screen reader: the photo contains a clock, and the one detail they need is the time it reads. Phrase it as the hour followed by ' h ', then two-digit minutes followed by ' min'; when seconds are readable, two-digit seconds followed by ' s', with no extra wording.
10 h 54 min
